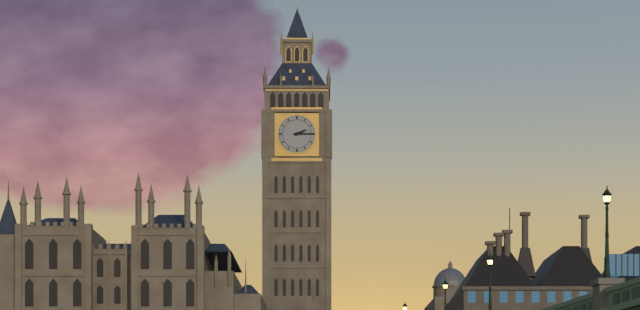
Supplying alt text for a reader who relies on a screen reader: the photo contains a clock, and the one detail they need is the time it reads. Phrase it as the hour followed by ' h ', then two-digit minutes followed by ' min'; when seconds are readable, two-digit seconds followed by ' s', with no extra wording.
2 h 15 min
